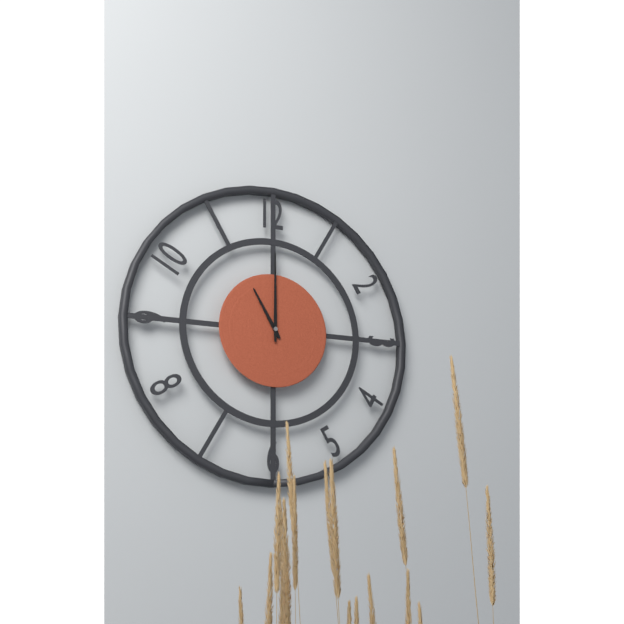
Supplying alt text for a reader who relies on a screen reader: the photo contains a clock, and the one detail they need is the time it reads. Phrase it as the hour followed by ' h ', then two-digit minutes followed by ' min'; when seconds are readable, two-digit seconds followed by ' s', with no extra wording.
11 h 00 min
